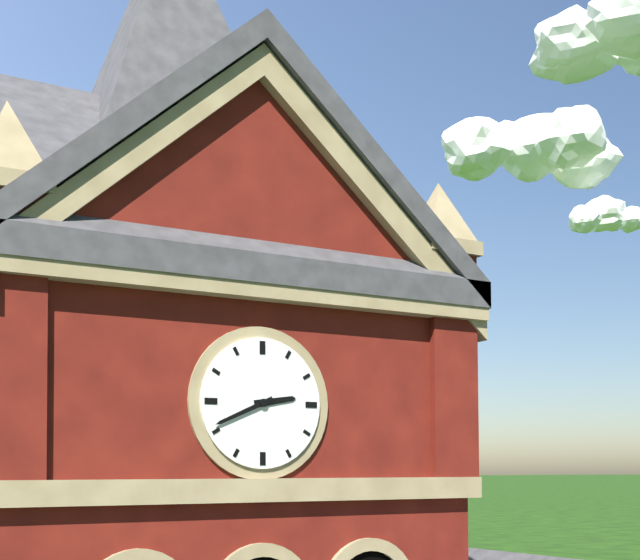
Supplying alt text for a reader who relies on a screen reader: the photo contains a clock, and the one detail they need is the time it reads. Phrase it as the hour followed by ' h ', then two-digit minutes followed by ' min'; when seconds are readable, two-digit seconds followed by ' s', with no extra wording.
2 h 41 min
